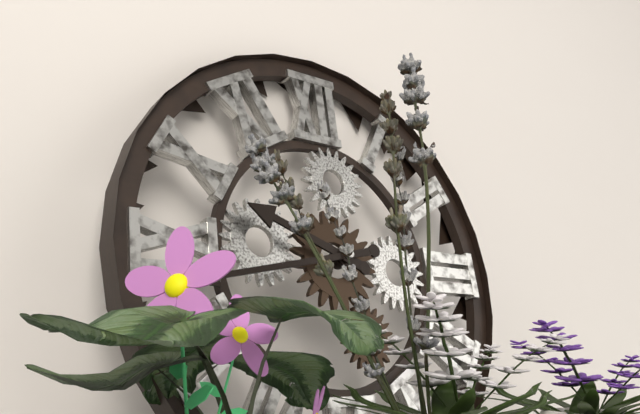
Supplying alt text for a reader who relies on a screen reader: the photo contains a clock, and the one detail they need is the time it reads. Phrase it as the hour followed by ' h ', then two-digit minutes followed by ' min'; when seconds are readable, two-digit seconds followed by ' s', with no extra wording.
9 h 43 min
